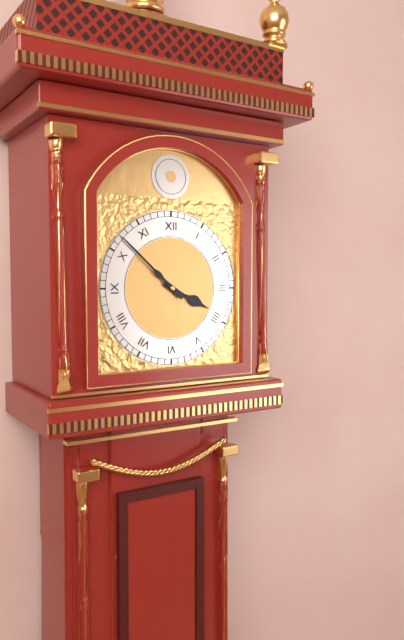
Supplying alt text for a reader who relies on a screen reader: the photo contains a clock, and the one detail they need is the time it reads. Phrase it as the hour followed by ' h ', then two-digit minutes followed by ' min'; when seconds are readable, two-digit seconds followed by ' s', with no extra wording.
3 h 52 min
